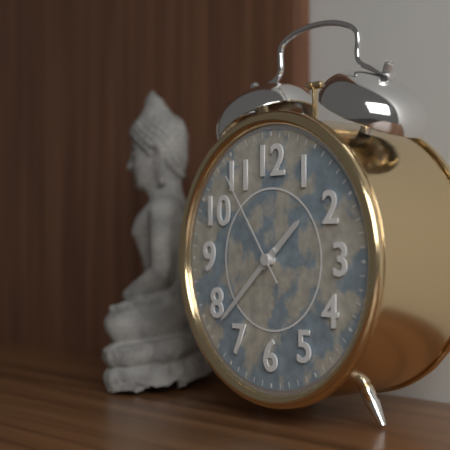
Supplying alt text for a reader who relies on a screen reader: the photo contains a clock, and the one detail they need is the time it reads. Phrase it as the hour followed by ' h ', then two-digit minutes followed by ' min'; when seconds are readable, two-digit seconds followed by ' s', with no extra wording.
1 h 38 min 54 s
